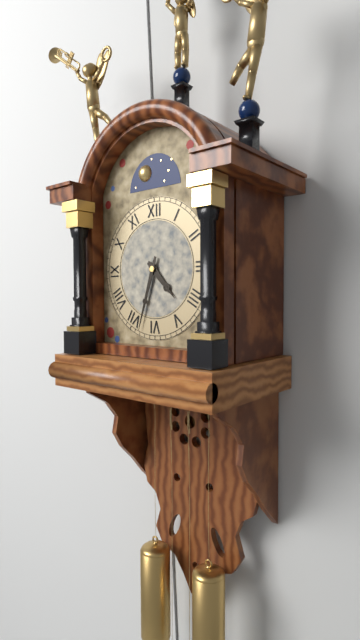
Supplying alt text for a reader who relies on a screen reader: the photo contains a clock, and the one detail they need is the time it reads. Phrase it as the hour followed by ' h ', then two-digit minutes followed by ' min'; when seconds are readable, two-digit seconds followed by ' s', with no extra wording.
4 h 33 min
